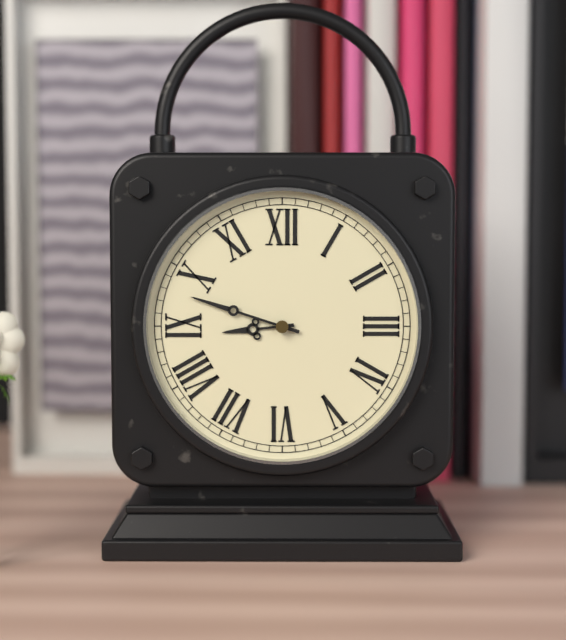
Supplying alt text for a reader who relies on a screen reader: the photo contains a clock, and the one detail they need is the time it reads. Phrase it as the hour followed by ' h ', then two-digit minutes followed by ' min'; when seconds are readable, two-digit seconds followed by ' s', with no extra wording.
8 h 48 min
